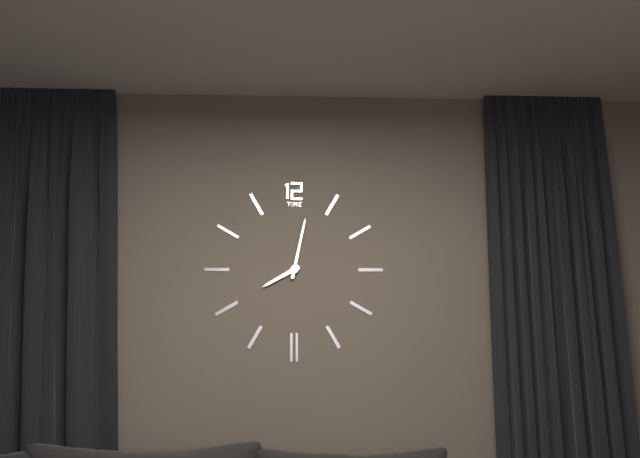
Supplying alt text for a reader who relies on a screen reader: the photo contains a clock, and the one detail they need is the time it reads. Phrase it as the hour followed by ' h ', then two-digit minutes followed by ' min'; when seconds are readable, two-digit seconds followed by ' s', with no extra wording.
8 h 02 min
